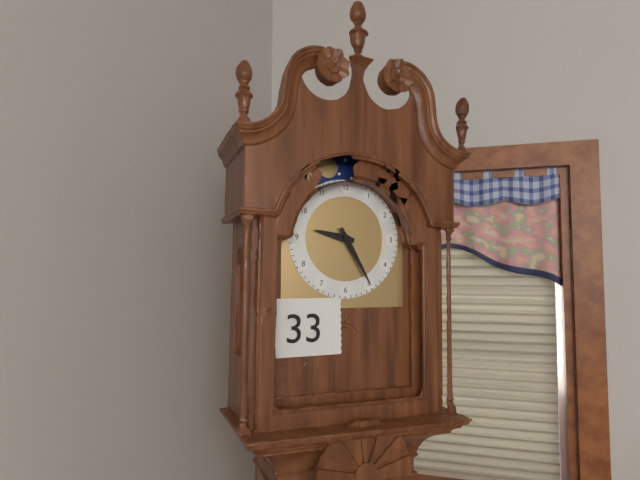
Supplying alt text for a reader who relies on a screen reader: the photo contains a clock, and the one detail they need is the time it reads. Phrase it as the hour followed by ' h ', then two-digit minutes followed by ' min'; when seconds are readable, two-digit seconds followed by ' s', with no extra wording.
9 h 25 min
